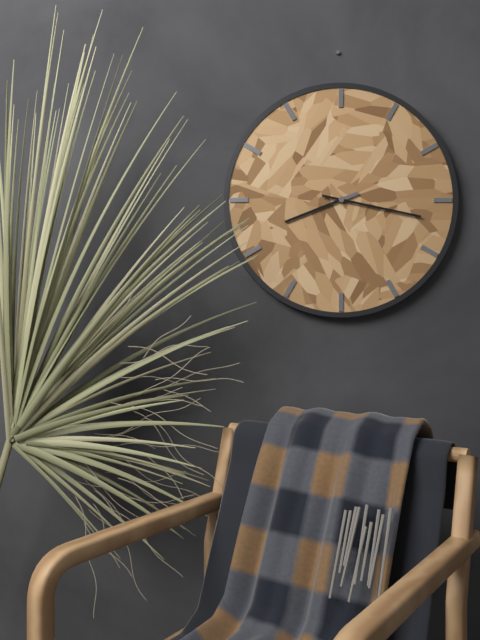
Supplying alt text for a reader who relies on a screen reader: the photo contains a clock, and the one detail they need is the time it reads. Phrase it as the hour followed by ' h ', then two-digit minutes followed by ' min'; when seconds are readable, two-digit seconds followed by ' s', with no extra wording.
8 h 17 min
